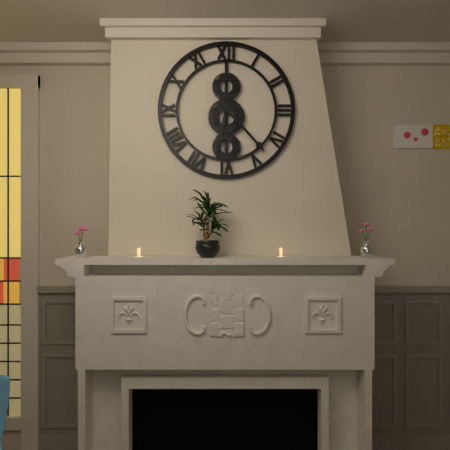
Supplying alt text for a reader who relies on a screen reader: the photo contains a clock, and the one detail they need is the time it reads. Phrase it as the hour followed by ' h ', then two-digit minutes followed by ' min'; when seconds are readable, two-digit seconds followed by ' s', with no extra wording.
6 h 23 min
